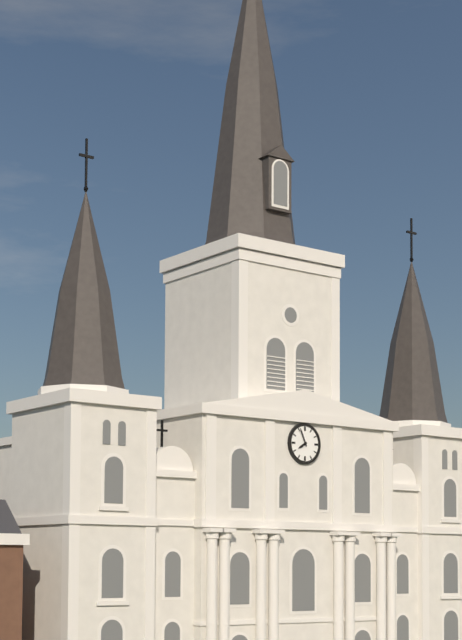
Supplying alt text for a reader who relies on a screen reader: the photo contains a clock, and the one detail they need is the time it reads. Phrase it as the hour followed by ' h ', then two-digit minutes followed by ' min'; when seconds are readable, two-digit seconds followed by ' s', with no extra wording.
7 h 56 min
